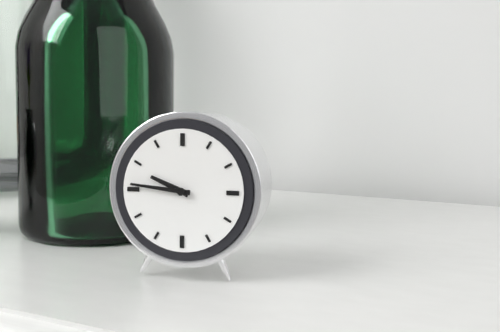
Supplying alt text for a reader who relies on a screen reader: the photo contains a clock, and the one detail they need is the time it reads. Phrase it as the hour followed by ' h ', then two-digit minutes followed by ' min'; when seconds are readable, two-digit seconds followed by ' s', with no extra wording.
9 h 46 min
